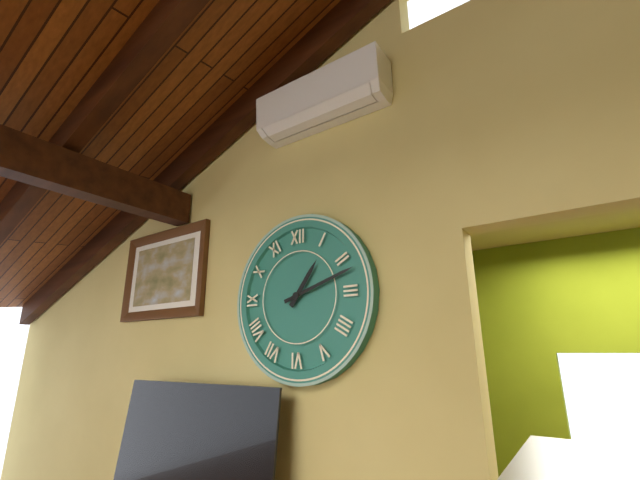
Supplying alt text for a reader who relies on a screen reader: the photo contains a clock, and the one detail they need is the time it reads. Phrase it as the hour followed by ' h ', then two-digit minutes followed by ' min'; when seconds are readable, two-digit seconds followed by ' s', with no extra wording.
1 h 12 min
